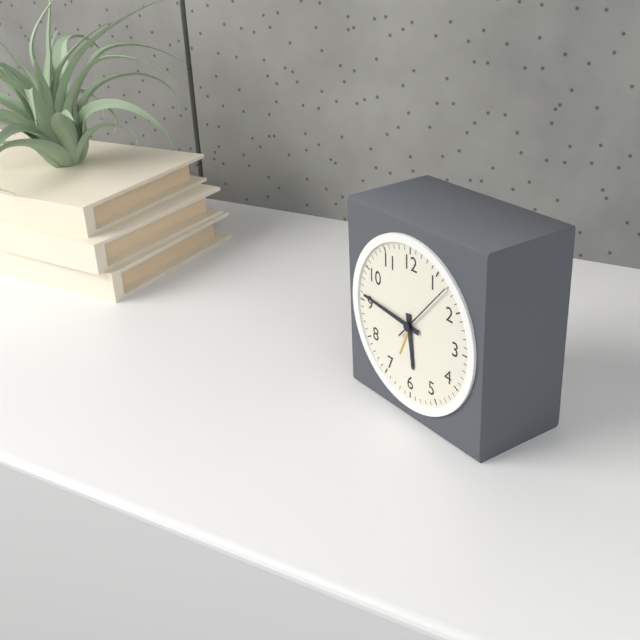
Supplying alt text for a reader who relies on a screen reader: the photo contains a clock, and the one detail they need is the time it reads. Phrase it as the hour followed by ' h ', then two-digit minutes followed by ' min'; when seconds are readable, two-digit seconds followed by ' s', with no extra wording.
5 h 46 min 07 s
